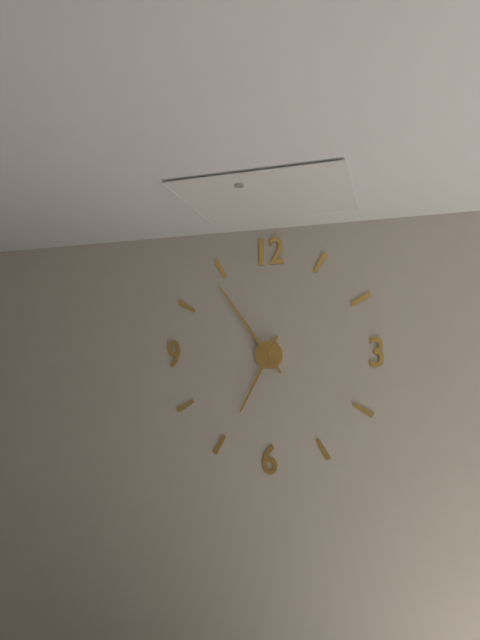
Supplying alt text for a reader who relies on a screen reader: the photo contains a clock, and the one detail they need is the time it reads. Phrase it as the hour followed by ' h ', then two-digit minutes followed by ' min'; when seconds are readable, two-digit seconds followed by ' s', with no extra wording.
6 h 54 min
